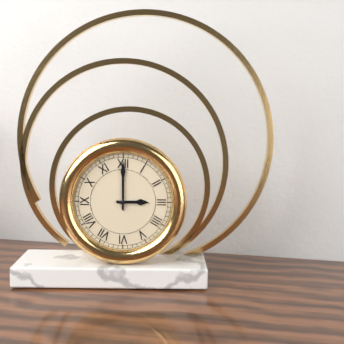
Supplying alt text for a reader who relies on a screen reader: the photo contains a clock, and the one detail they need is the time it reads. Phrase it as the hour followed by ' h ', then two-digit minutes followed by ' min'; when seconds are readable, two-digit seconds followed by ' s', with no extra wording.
3 h 00 min
